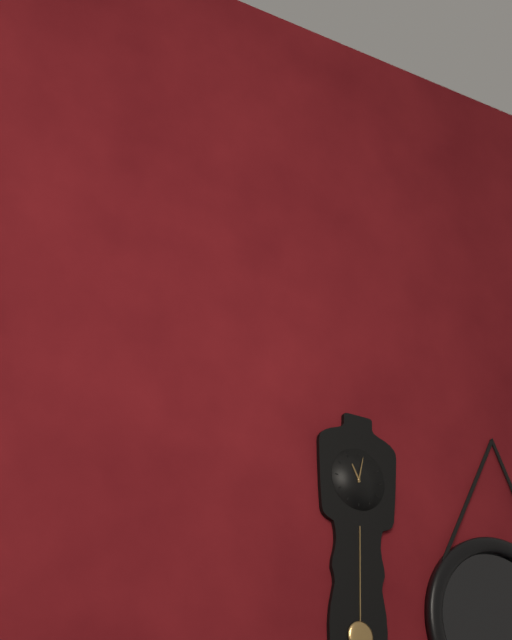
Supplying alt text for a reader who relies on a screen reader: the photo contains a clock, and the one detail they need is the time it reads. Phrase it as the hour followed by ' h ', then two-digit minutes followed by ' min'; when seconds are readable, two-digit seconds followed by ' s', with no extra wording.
11 h 02 min
